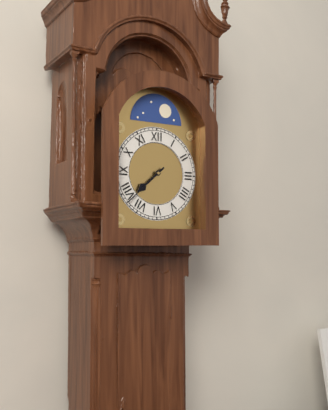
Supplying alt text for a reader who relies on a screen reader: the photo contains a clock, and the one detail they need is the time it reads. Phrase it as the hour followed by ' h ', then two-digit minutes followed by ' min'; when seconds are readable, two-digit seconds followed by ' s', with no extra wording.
7 h 38 min
